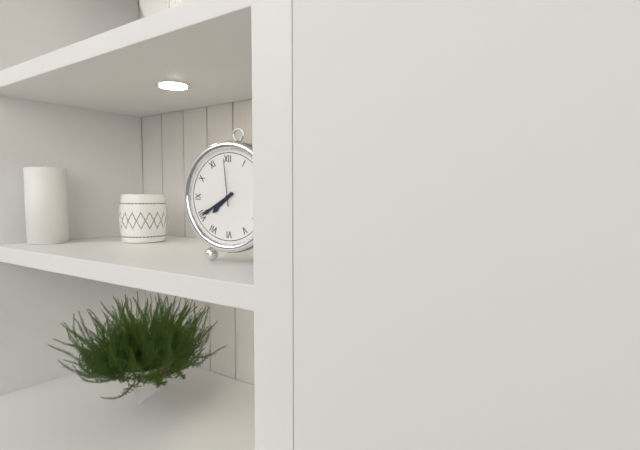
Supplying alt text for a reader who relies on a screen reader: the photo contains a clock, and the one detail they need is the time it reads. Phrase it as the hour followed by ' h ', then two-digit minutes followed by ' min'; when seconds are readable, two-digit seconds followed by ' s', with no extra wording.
7 h 40 min 59 s
